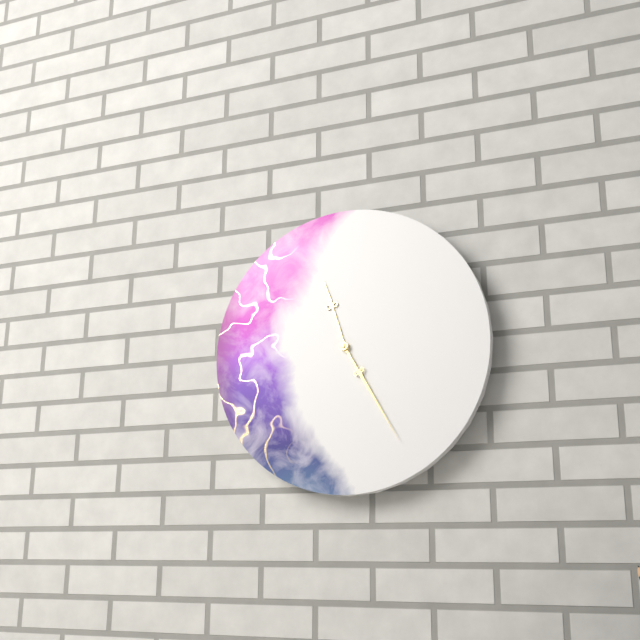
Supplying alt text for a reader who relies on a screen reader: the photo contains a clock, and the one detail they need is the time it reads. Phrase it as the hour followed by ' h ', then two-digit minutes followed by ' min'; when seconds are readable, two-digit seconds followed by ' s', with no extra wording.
11 h 25 min
